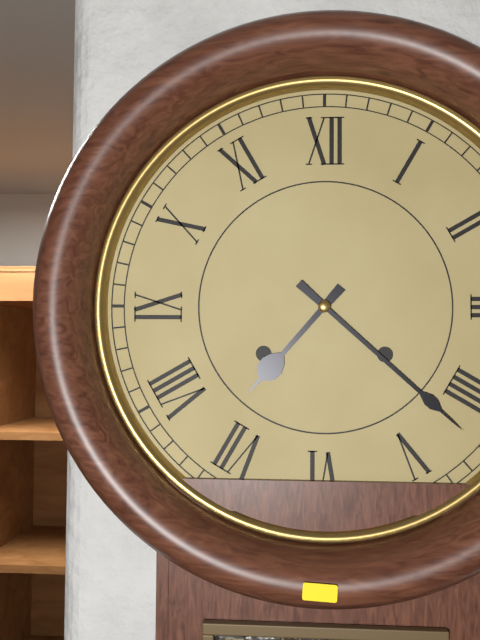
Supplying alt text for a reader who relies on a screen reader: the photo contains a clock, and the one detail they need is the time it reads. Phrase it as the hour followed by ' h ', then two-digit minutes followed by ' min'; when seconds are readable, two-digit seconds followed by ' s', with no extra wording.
7 h 22 min
